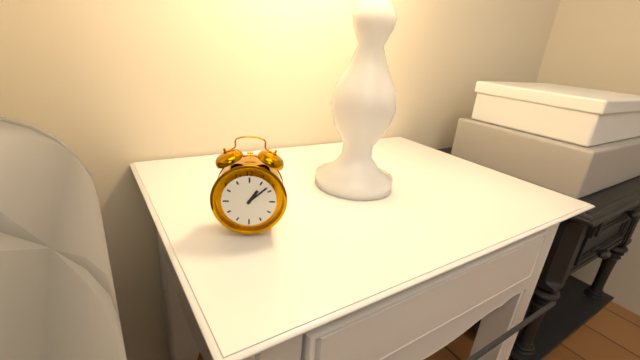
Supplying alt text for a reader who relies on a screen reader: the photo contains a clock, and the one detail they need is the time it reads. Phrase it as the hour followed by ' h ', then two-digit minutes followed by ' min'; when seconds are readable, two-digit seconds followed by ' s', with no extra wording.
1 h 08 min
